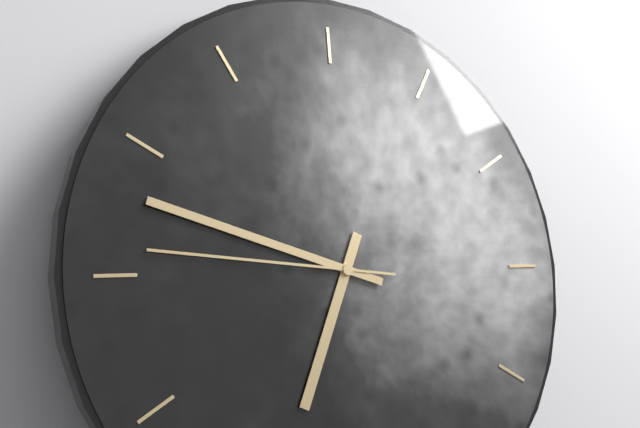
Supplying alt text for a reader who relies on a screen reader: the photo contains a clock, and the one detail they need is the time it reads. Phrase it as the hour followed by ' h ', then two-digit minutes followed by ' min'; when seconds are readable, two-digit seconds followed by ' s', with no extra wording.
6 h 48 min 46 s
